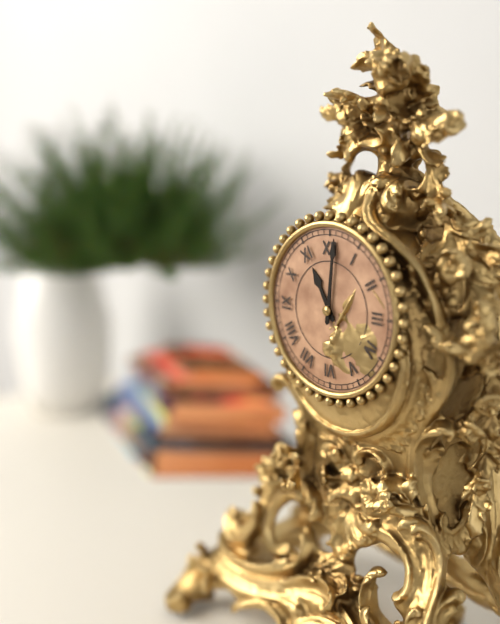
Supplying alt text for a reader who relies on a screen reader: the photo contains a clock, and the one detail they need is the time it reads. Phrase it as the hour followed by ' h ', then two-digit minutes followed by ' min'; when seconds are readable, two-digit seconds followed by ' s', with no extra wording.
11 h 01 min
